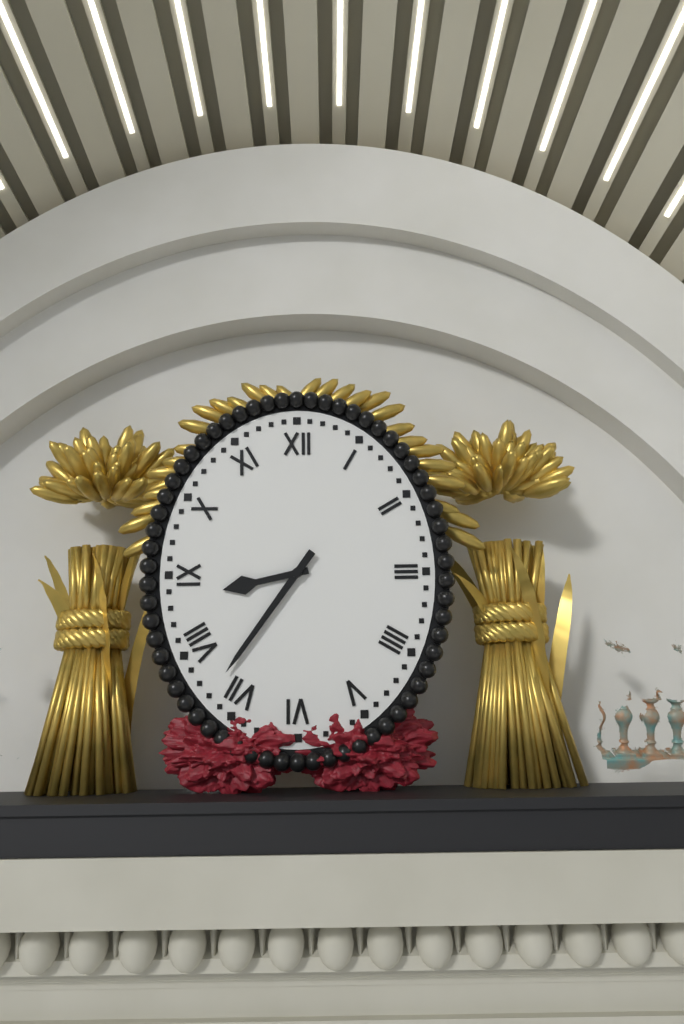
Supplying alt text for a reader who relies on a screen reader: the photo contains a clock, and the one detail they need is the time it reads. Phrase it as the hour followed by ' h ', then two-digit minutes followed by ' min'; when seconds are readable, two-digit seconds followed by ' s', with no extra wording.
8 h 36 min
